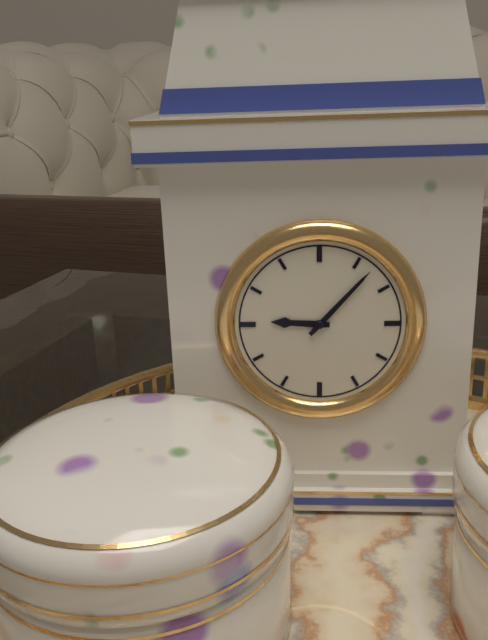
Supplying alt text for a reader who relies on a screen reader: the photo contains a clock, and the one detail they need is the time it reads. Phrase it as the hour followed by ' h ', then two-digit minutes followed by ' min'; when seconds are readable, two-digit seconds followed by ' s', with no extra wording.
9 h 07 min
